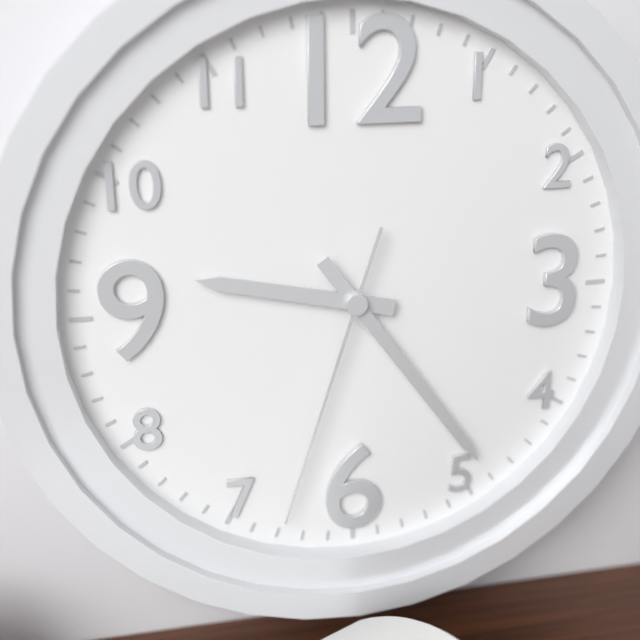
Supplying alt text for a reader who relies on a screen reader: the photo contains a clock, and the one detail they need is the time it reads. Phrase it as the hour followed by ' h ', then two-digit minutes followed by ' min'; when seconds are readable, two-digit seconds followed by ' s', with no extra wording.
9 h 24 min 33 s
